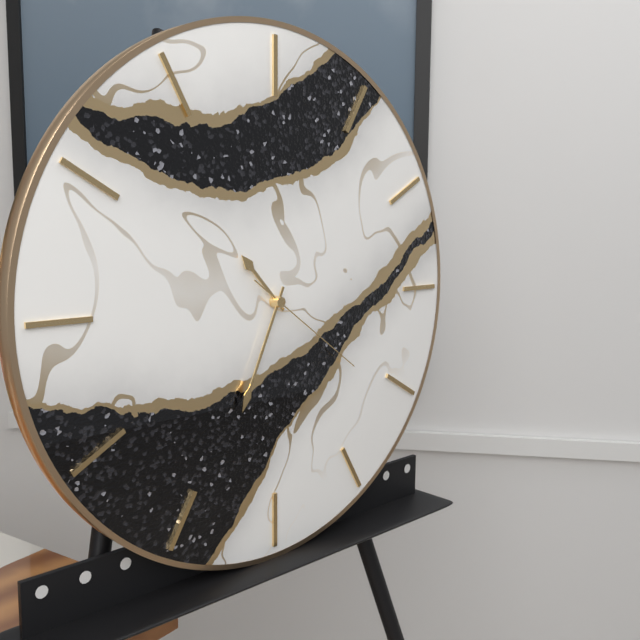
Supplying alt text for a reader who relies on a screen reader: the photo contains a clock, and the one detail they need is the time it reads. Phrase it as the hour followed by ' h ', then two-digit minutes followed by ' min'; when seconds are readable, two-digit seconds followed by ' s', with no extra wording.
10 h 34 min 21 s
